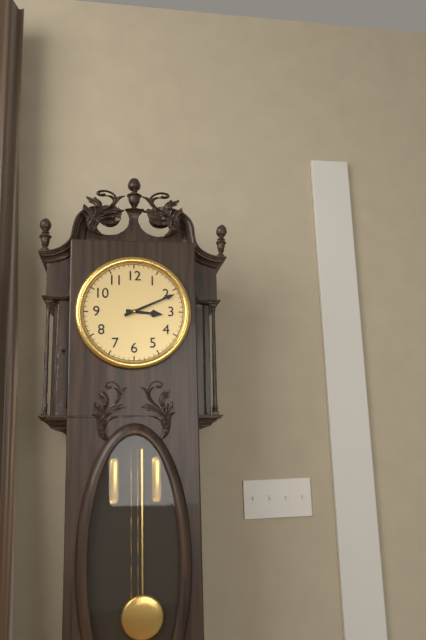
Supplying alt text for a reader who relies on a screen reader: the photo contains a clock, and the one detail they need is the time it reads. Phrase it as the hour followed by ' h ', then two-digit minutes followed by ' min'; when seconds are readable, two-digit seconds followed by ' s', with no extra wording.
3 h 11 min
